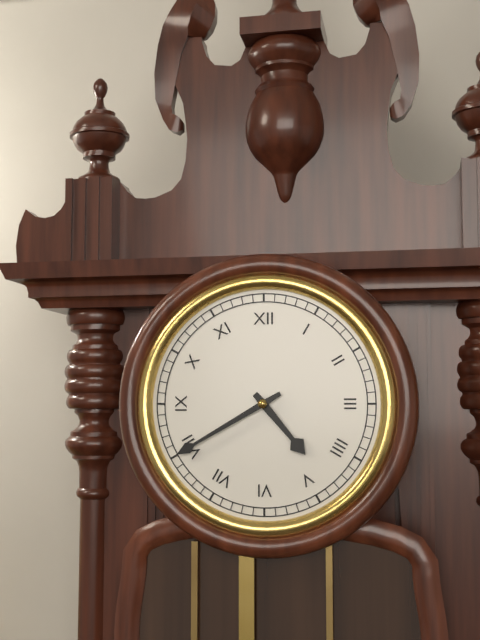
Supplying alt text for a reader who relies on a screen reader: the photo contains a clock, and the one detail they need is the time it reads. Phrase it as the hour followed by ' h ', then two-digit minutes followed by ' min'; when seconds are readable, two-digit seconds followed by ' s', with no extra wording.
4 h 40 min
